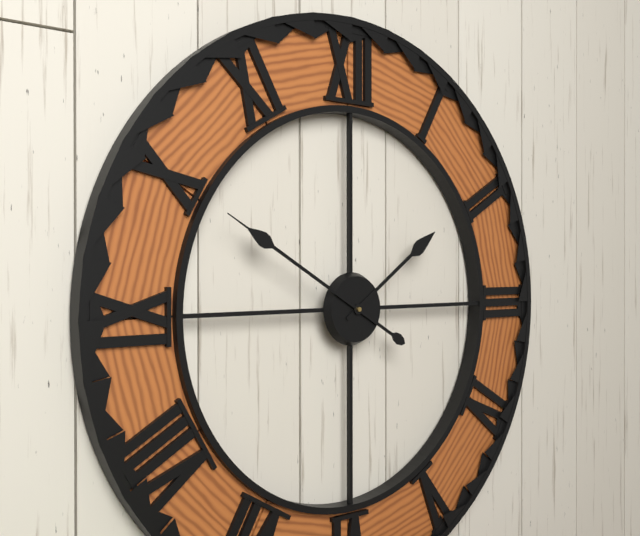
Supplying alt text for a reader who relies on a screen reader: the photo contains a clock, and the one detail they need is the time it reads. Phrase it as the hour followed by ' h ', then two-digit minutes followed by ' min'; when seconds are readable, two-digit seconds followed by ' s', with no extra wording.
1 h 50 min
